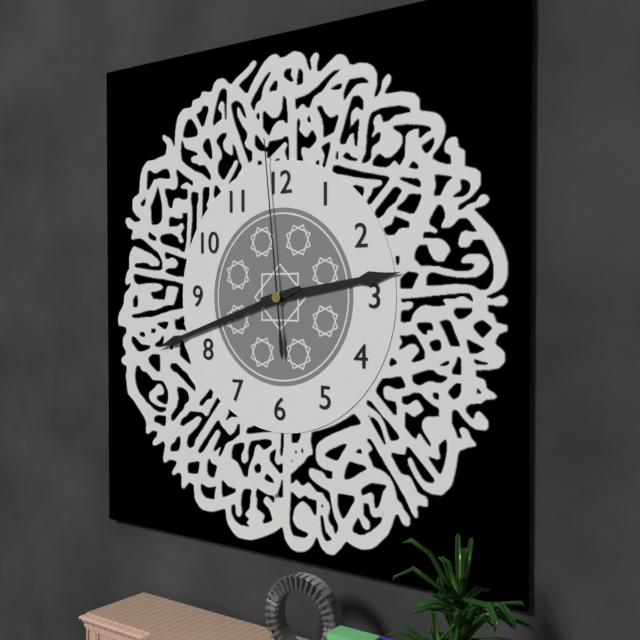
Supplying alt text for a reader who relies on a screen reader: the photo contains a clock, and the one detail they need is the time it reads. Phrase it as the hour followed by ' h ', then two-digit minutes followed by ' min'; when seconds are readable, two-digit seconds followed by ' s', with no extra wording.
2 h 42 min 59 s
